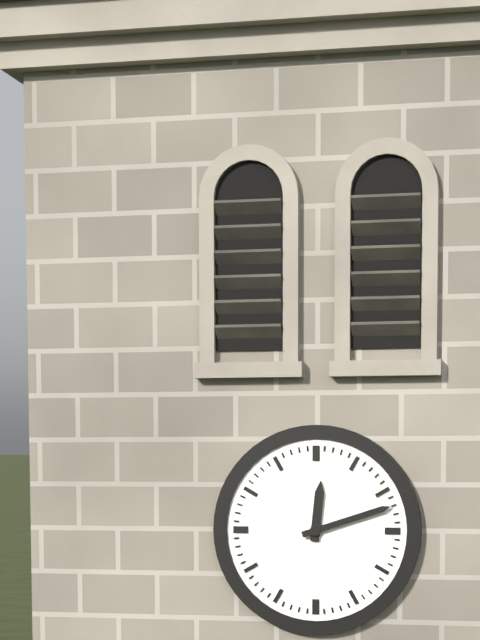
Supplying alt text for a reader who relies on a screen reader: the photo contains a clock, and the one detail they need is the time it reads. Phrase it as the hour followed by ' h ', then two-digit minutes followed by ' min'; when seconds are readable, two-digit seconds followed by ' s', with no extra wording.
12 h 12 min
